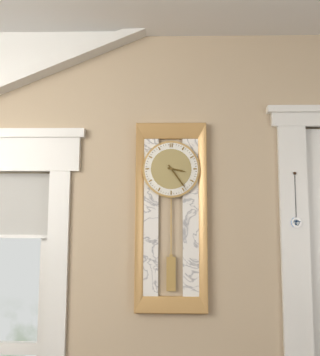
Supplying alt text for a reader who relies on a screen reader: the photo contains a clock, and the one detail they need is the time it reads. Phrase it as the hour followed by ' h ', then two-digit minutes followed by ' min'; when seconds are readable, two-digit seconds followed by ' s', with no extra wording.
3 h 24 min
